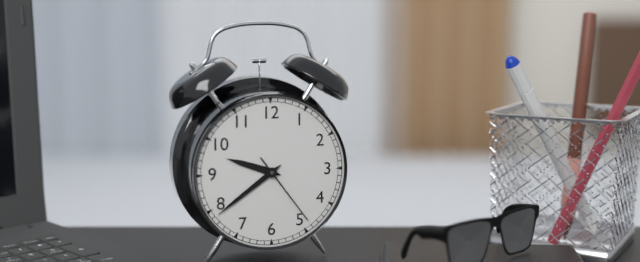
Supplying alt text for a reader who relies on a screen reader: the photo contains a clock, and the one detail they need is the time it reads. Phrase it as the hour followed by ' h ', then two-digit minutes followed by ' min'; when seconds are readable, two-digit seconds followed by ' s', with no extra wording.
9 h 39 min 24 s
